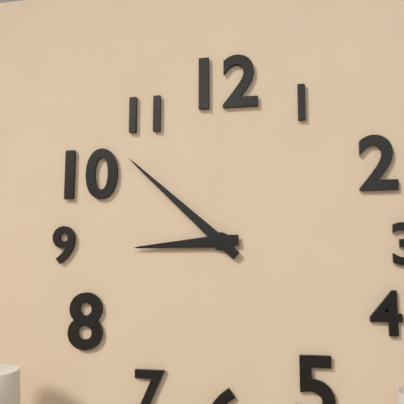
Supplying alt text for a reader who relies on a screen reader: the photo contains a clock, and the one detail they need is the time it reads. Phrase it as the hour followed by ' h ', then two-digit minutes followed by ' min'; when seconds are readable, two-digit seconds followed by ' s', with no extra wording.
8 h 52 min
